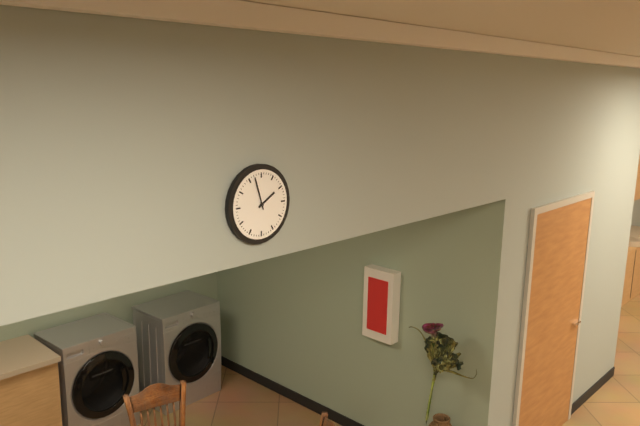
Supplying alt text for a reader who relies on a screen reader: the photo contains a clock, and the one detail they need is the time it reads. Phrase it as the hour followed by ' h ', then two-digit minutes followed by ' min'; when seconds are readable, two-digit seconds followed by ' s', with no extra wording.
1 h 57 min
